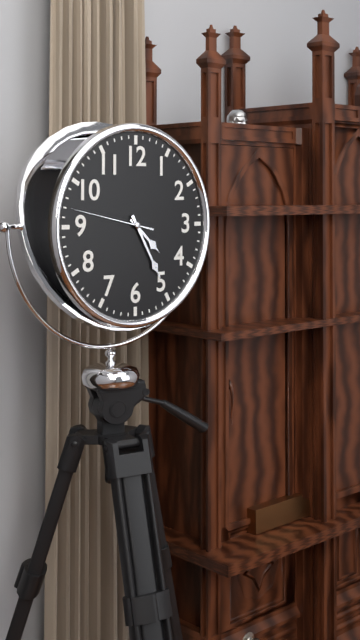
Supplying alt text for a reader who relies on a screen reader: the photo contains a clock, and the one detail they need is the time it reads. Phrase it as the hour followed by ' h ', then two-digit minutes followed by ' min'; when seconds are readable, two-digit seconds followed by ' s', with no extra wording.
4 h 25 min 47 s
